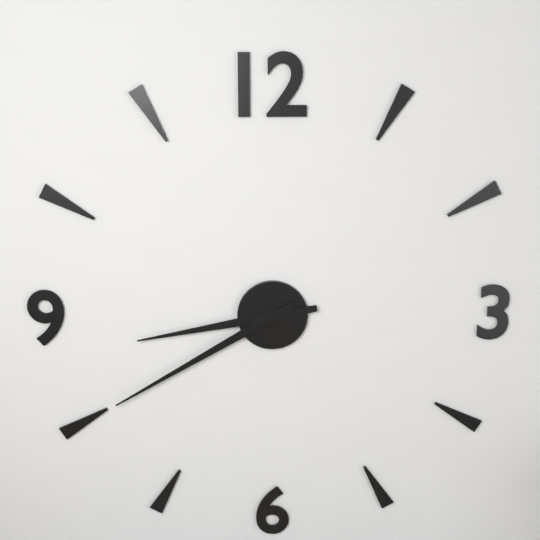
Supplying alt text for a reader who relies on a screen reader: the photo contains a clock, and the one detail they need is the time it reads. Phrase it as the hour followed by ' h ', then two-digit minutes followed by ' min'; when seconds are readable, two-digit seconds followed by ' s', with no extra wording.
8 h 40 min
